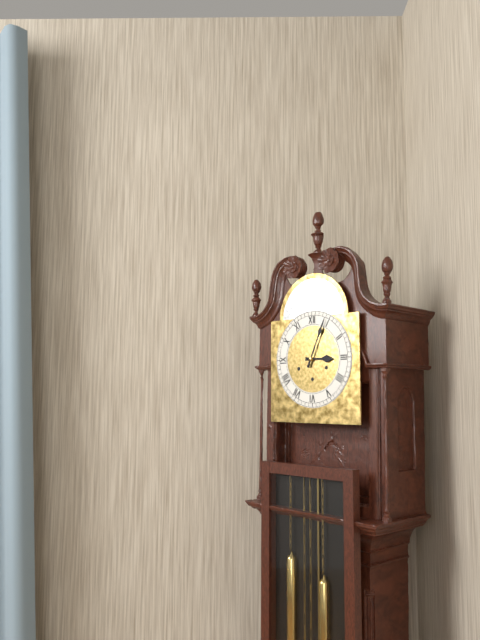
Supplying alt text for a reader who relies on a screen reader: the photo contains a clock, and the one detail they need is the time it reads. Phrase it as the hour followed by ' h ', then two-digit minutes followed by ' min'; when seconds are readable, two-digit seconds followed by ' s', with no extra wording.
3 h 04 min
